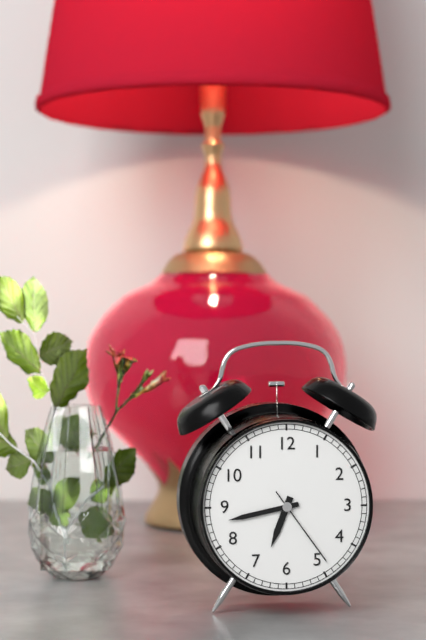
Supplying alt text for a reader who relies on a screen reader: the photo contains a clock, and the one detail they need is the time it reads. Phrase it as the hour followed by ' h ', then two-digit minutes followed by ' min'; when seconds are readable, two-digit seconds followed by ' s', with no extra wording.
6 h 43 min 24 s
